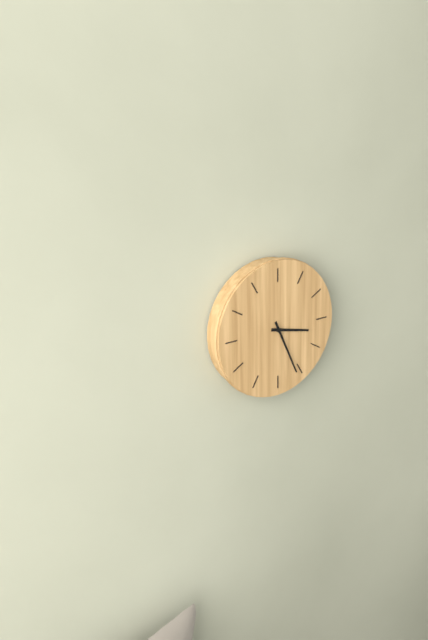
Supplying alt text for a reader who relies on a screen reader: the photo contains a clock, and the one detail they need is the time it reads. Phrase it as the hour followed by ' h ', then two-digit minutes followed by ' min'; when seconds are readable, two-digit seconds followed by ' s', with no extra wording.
3 h 26 min
